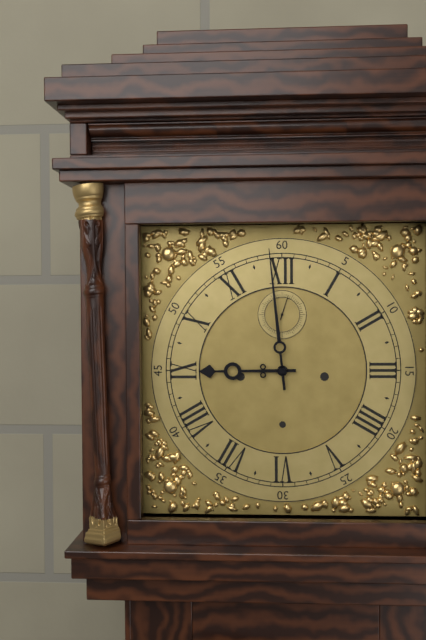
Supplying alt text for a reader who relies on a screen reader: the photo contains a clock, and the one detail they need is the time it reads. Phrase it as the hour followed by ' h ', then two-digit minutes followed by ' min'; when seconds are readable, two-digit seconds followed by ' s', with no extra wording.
8 h 59 min
